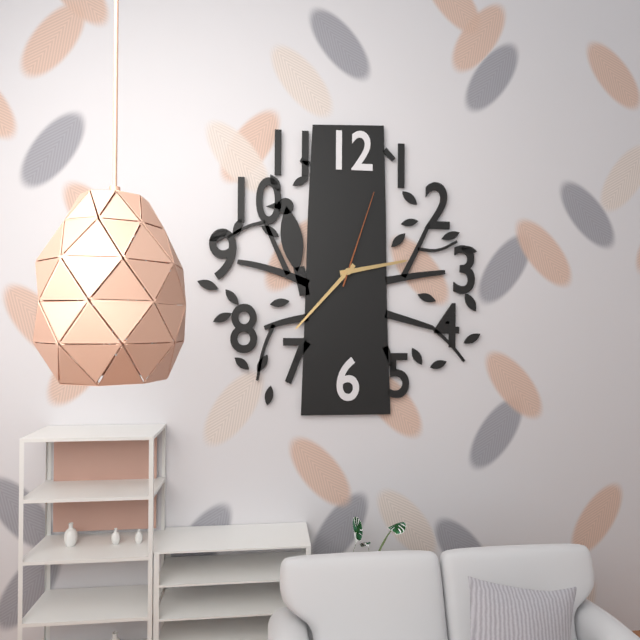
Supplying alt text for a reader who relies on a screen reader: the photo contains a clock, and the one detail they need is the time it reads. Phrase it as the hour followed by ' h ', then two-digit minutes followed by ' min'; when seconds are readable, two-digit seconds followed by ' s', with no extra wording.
2 h 37 min 03 s
